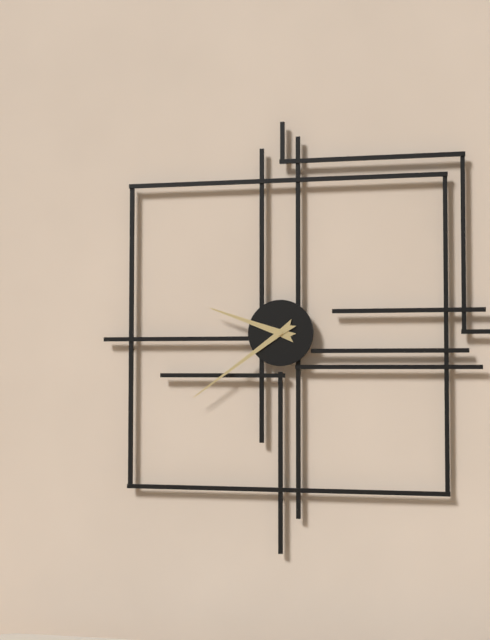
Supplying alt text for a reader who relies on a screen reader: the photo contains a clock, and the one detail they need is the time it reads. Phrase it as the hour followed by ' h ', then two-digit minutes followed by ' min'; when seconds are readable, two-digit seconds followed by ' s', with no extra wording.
9 h 39 min
